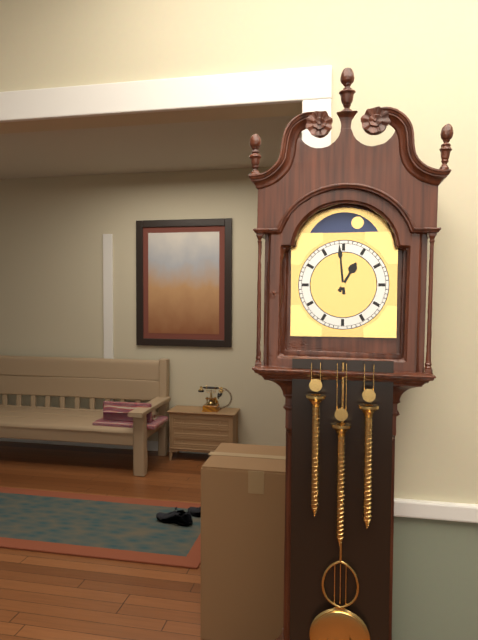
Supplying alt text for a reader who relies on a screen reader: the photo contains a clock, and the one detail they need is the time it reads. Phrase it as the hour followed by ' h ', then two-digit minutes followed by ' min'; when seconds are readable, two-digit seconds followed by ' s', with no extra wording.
12 h 59 min
